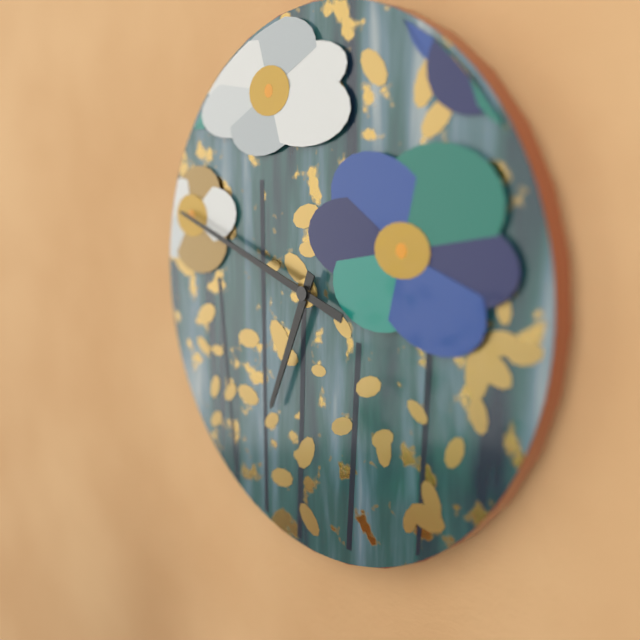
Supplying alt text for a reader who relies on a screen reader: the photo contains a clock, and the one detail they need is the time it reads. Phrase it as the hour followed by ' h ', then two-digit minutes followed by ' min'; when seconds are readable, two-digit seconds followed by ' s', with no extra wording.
6 h 48 min
